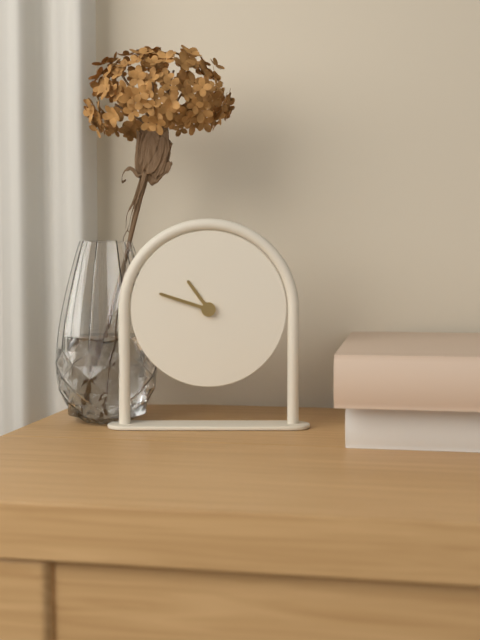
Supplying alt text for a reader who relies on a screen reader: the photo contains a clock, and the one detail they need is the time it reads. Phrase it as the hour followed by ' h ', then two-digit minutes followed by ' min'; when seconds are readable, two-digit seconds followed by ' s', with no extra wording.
10 h 48 min
